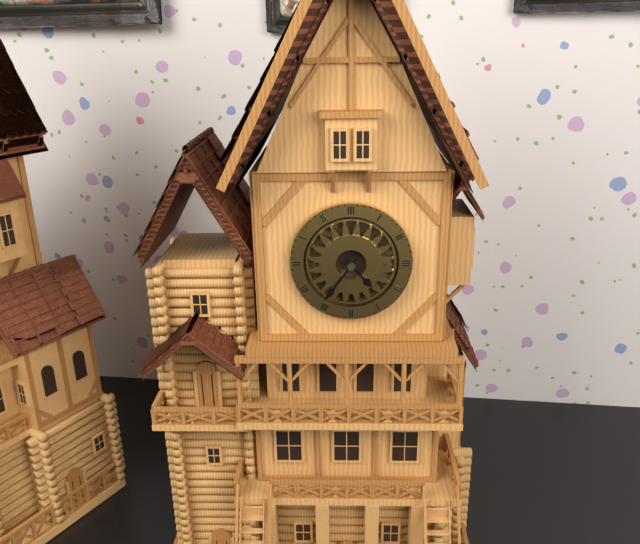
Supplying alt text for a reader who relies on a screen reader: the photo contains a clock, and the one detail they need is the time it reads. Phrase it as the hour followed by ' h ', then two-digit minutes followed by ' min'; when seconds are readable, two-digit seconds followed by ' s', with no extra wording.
4 h 36 min
